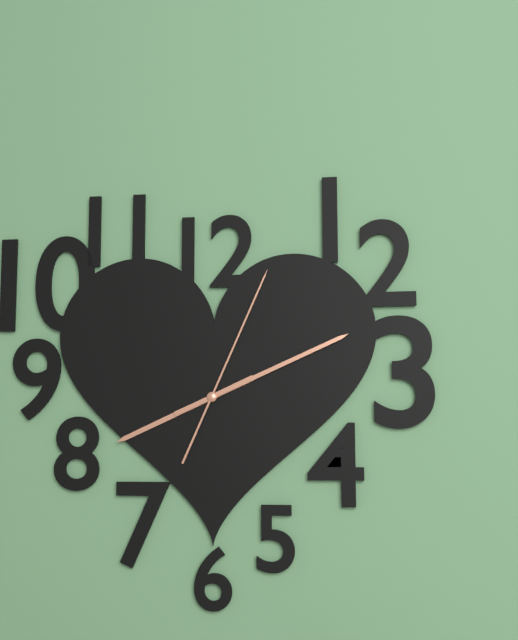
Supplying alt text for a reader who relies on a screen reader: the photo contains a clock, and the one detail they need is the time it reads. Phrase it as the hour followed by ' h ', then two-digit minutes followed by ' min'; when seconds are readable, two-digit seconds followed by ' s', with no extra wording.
8 h 11 min 04 s
